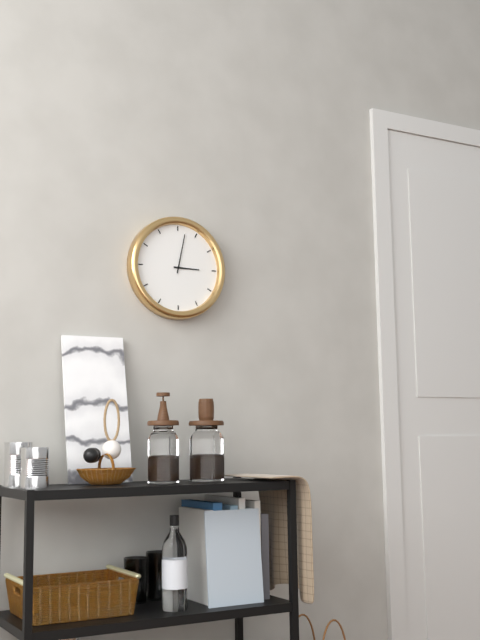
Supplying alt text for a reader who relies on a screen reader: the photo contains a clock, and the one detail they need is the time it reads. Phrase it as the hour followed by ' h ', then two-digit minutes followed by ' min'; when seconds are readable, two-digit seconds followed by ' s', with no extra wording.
3 h 02 min
